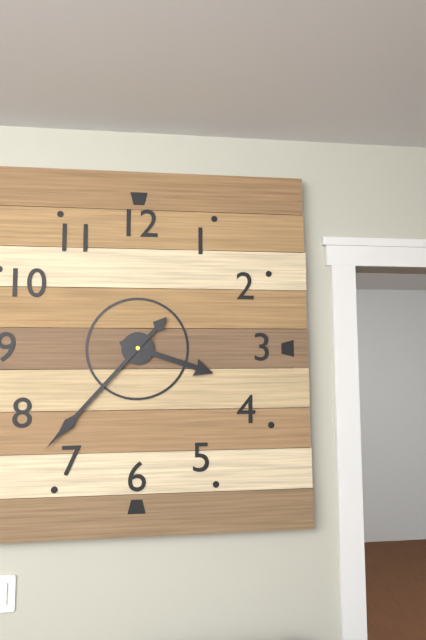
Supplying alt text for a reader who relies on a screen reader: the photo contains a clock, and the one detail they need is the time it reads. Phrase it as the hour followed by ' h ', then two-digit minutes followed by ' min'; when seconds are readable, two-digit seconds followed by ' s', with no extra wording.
3 h 37 min
